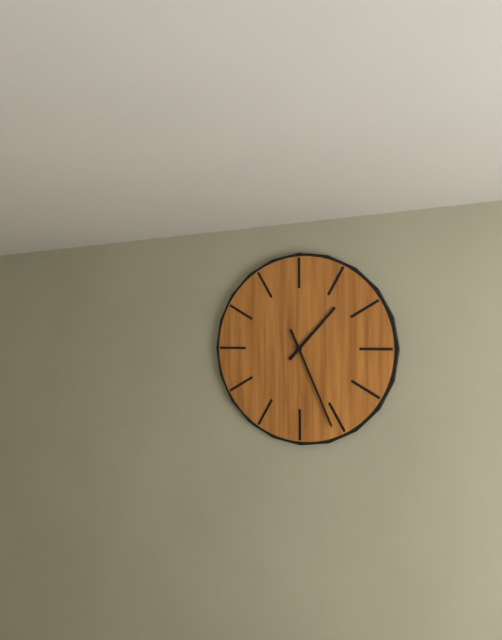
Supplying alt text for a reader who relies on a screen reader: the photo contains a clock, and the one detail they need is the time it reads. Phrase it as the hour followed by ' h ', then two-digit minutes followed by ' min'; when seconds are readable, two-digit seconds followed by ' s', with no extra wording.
1 h 26 min
